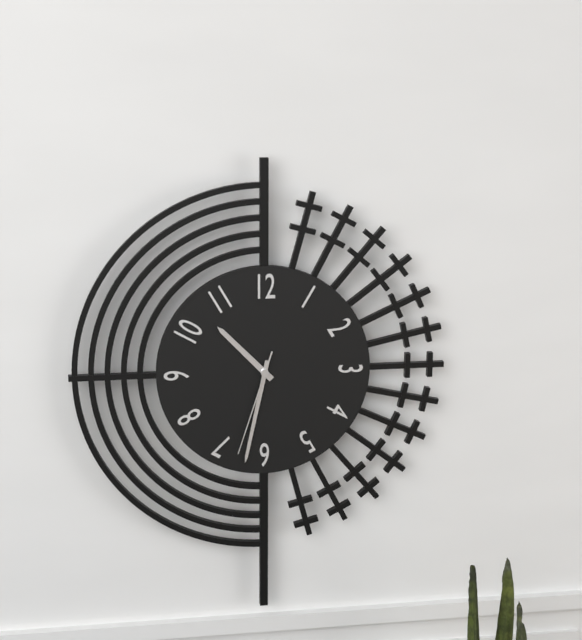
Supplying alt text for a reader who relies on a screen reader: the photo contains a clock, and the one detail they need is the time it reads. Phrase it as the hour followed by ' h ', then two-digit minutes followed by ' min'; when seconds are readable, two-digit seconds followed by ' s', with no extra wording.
10 h 32 min 33 s
